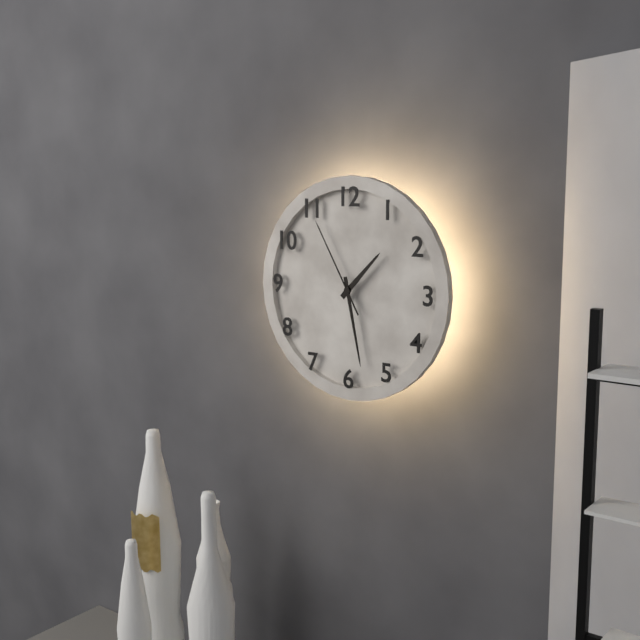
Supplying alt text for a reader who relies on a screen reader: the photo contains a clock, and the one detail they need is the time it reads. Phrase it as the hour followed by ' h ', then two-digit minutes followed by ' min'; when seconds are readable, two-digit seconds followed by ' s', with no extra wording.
1 h 28 min 55 s
